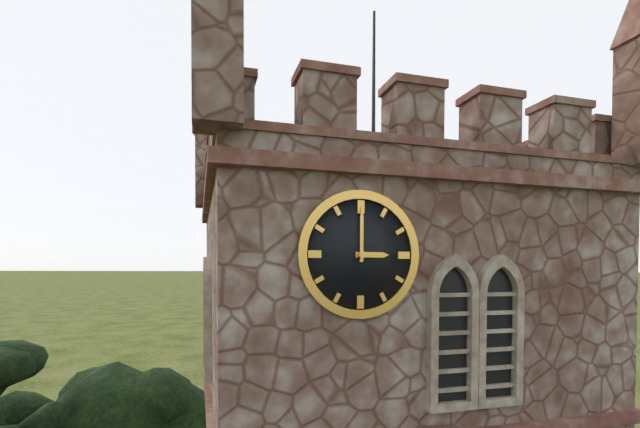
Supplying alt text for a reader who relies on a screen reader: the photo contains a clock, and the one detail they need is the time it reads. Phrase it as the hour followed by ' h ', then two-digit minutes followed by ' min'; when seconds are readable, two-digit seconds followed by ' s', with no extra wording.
3 h 00 min
